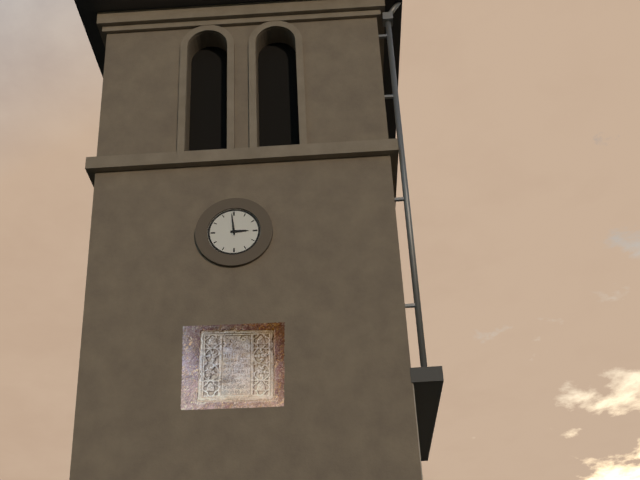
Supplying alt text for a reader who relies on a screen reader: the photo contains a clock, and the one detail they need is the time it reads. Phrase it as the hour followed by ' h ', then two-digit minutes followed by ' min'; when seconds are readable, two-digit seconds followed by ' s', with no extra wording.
2 h 59 min
